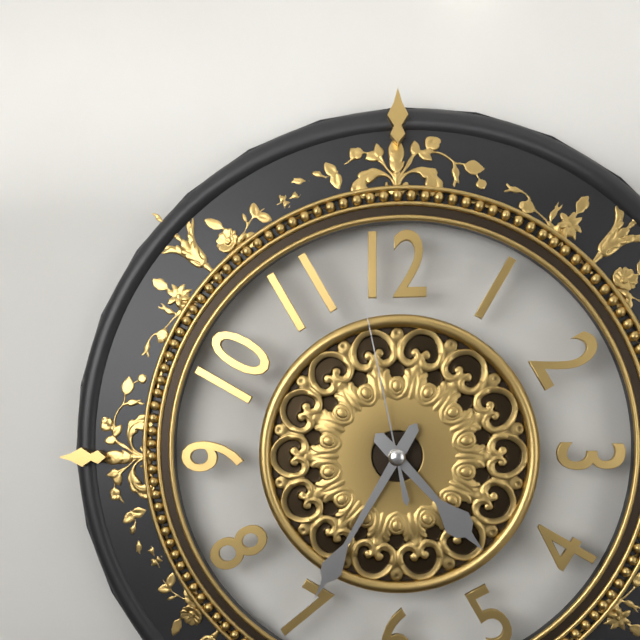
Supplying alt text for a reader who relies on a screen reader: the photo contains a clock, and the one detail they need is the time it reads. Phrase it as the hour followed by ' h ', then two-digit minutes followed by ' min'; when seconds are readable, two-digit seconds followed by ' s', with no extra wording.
4 h 35 min 58 s
